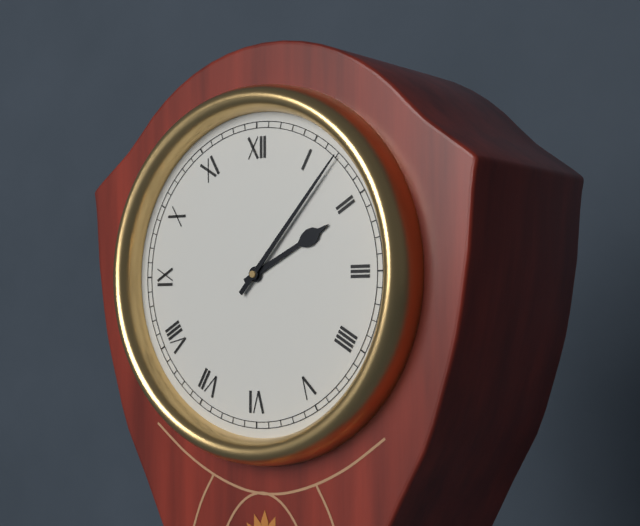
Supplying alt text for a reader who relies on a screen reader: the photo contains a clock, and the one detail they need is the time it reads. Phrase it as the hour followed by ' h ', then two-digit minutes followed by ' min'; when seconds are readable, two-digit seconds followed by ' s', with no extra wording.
2 h 07 min
